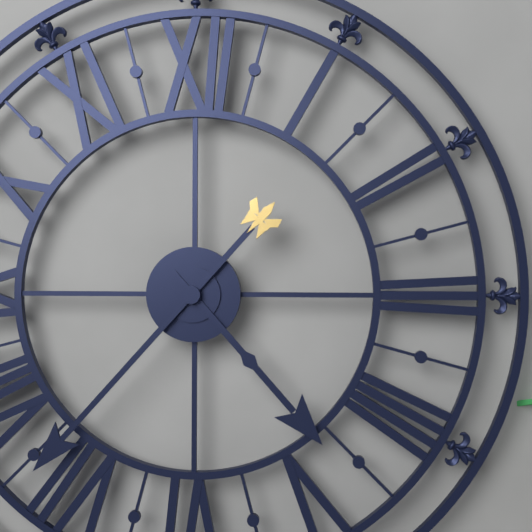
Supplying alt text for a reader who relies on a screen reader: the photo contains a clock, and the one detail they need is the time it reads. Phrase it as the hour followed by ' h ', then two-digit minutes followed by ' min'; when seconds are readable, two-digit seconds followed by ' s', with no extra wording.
4 h 37 min
